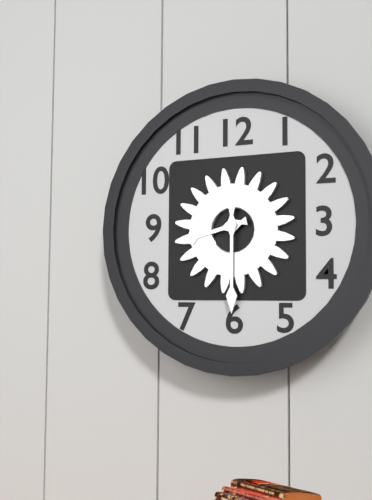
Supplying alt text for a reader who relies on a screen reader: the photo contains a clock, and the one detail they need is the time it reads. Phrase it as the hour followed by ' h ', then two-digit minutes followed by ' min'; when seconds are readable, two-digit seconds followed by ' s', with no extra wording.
8 h 30 min
